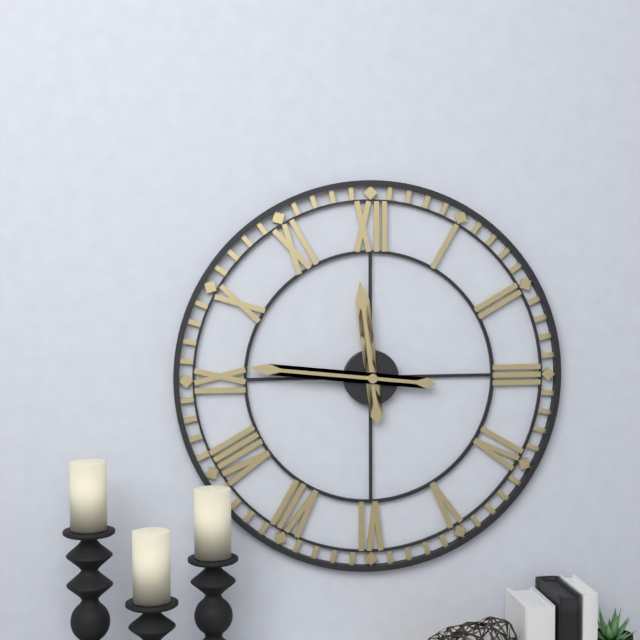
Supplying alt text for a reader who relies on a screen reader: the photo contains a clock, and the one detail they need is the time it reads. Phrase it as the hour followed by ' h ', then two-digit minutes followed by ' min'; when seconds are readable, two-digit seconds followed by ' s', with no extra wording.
11 h 46 min
